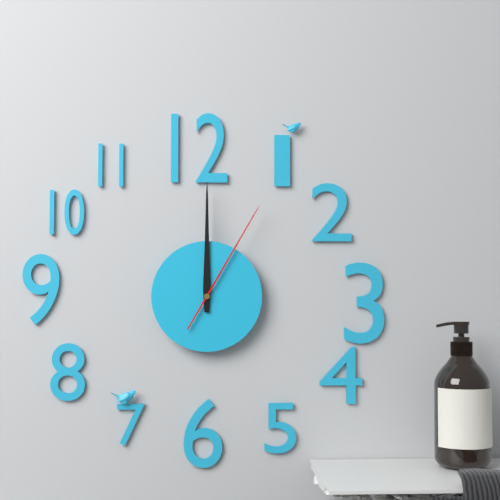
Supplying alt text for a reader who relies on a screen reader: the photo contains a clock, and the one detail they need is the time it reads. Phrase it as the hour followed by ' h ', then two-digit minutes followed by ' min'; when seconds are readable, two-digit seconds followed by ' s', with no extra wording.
12 h 00 min 05 s
